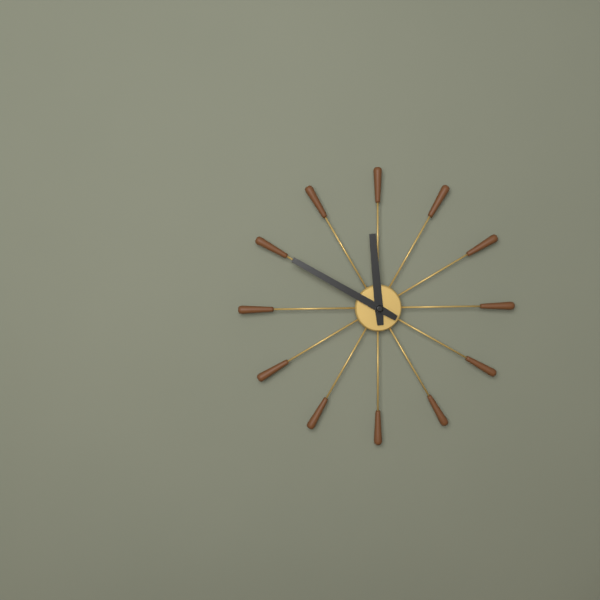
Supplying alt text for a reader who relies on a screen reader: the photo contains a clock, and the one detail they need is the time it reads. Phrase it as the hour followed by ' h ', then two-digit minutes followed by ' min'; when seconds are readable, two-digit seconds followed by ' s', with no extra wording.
11 h 50 min
